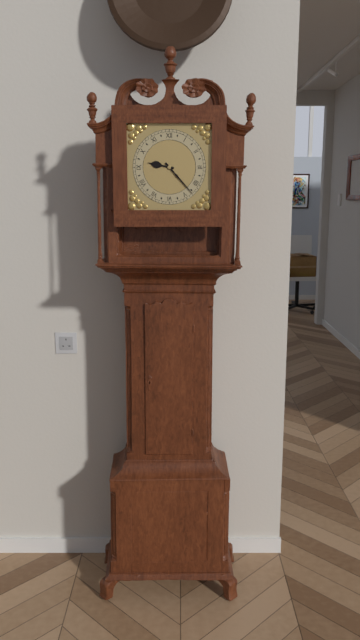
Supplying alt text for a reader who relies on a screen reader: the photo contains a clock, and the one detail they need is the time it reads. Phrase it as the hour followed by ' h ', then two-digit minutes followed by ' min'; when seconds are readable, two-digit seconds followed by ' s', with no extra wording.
9 h 23 min
